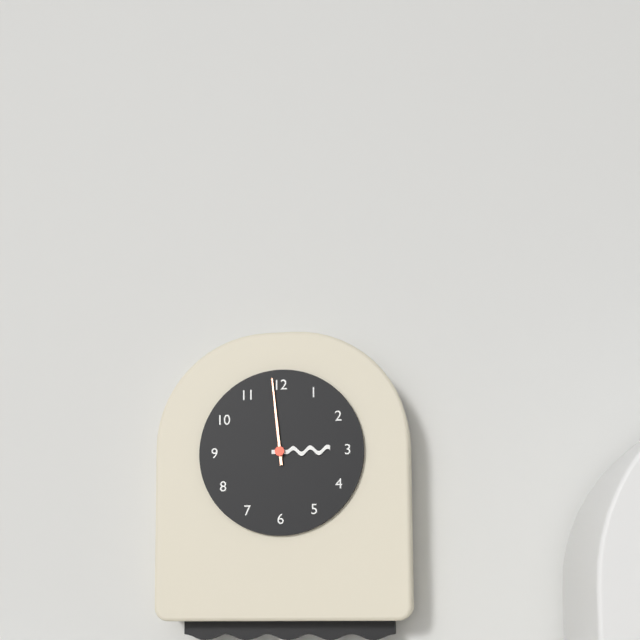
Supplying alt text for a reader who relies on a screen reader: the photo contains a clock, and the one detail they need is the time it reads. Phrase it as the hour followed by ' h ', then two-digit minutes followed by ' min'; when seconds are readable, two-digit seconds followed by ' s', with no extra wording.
2 h 59 min
